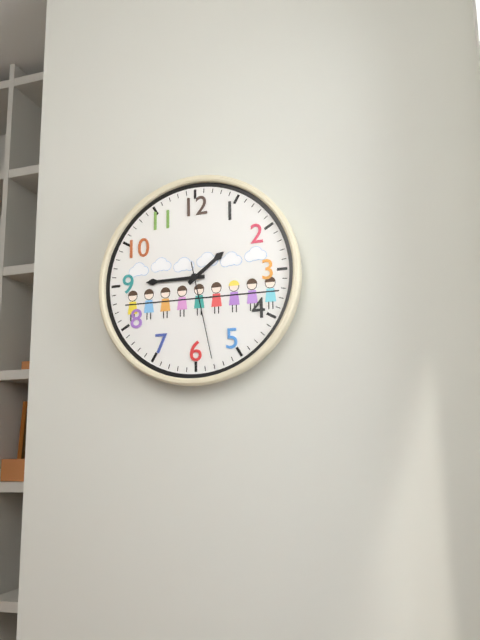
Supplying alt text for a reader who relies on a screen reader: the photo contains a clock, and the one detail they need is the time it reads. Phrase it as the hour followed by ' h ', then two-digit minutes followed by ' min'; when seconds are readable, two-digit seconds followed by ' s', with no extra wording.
1 h 45 min 28 s
